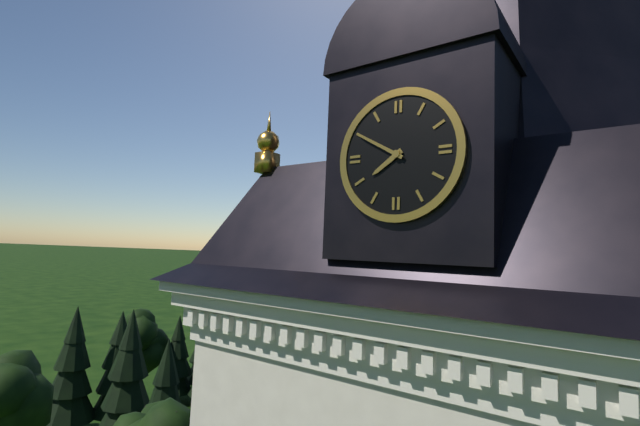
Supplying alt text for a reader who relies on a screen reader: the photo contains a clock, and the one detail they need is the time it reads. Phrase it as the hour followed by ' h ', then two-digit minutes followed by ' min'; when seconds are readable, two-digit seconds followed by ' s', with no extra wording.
7 h 50 min
